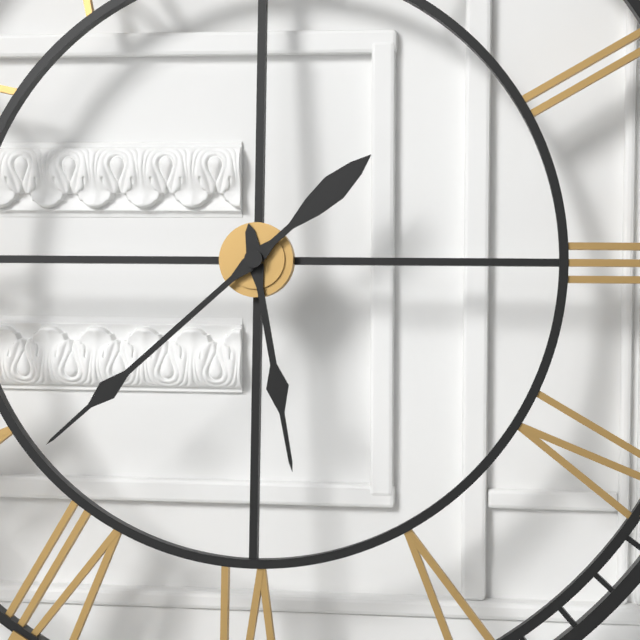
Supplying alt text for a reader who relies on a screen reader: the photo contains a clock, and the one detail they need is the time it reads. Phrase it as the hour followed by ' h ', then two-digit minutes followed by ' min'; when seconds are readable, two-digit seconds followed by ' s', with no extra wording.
5 h 38 min
